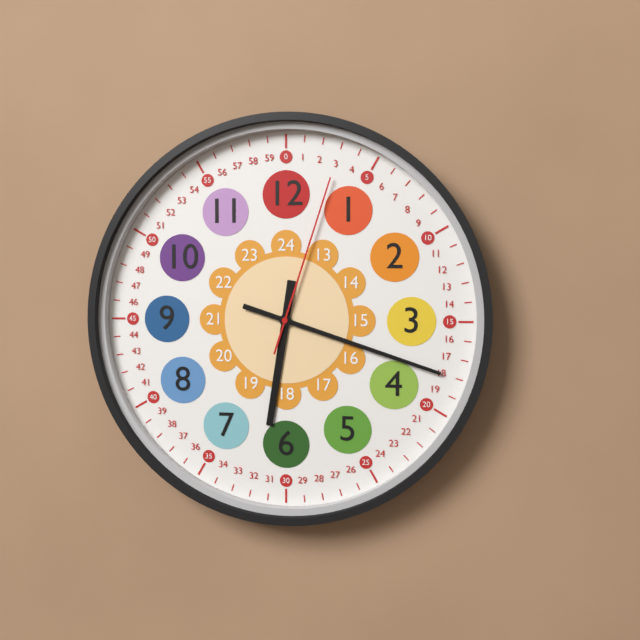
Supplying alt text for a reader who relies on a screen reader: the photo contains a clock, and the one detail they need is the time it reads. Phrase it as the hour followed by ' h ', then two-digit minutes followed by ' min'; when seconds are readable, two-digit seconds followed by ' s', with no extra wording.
6 h 18 min 03 s
